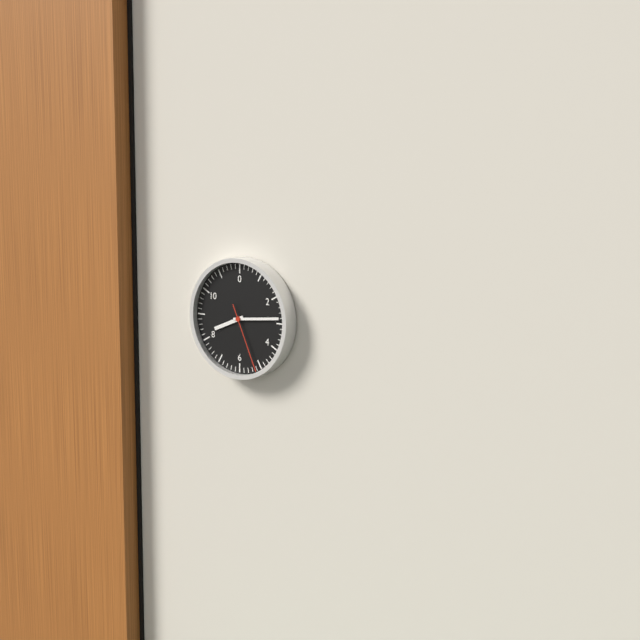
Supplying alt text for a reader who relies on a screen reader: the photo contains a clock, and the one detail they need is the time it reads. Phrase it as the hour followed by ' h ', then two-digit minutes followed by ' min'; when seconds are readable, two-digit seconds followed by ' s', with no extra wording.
8 h 14 min 26 s
